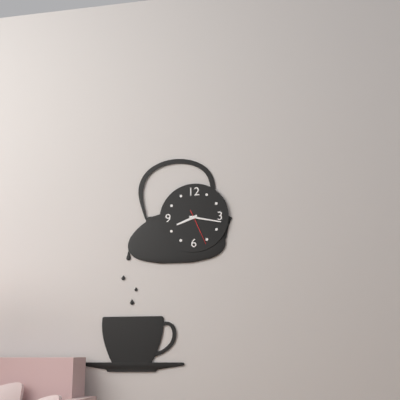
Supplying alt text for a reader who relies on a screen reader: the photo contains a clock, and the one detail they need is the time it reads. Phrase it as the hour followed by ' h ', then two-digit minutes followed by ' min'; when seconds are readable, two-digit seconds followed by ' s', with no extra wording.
8 h 17 min
